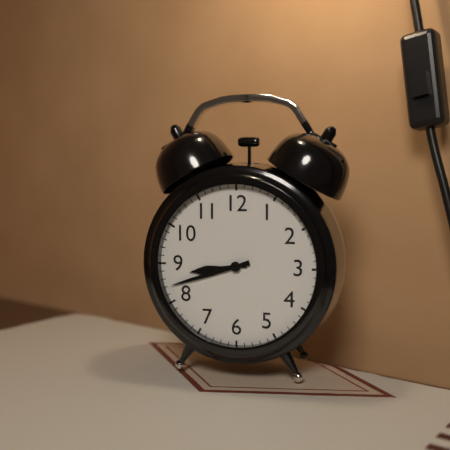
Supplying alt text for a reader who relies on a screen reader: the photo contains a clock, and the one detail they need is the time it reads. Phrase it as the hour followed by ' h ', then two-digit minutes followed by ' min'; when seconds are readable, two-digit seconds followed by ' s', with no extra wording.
8 h 42 min
